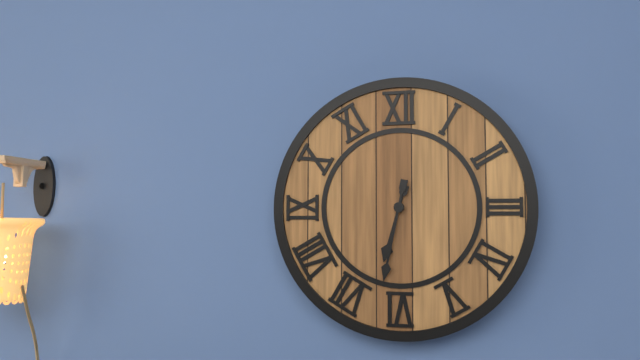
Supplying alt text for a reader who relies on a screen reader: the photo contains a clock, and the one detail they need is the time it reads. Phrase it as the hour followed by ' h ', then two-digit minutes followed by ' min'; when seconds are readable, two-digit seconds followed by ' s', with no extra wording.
6 h 32 min
